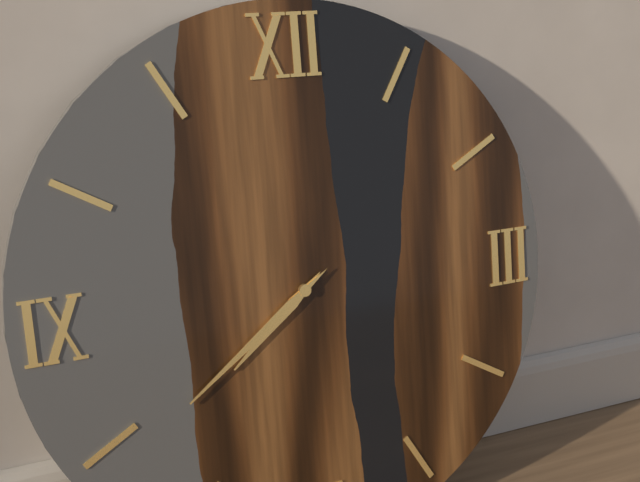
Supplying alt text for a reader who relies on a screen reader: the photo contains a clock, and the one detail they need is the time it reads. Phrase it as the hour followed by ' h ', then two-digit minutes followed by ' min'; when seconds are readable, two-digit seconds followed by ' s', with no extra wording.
7 h 39 min
